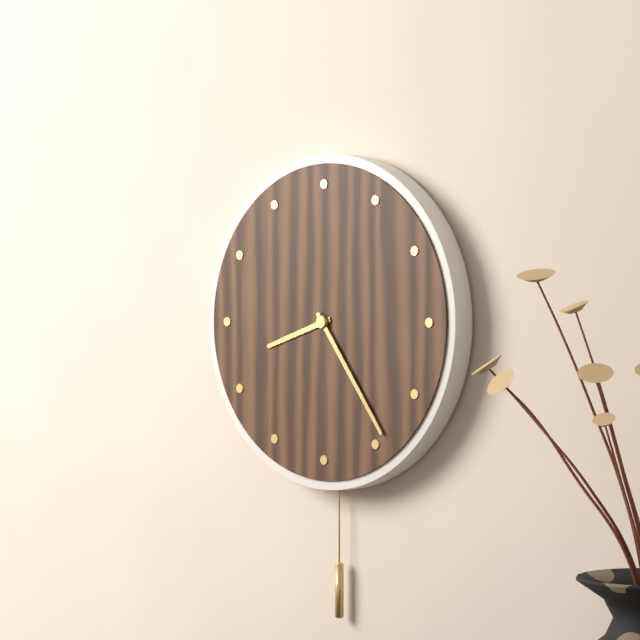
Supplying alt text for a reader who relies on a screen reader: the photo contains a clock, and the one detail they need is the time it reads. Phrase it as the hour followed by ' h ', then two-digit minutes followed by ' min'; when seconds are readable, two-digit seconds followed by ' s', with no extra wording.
8 h 24 min
